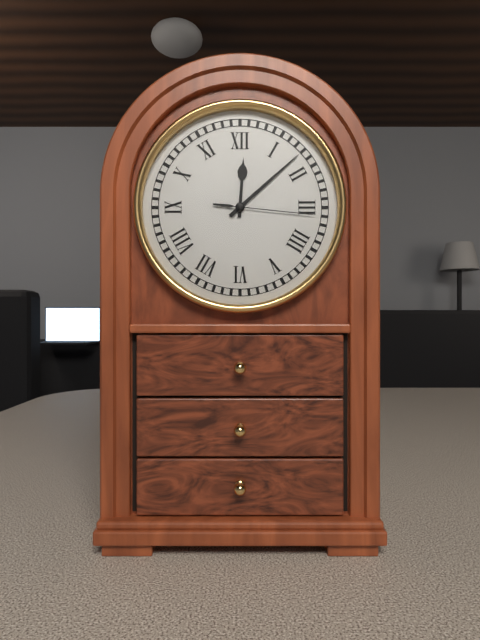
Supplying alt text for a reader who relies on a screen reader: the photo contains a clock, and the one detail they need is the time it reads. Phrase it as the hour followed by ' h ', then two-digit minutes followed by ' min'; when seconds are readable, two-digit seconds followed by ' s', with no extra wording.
12 h 08 min 16 s
